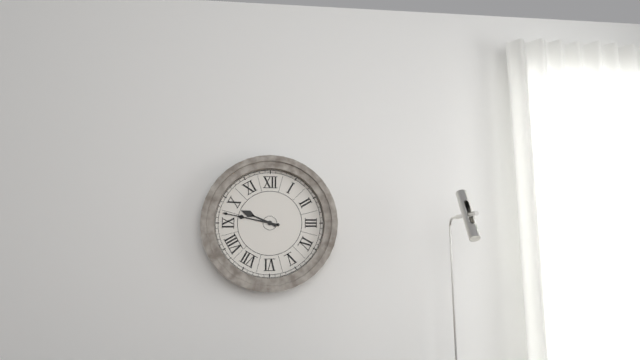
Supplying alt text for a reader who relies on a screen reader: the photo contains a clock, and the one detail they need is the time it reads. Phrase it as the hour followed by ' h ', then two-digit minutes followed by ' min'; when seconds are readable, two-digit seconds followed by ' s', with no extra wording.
9 h 47 min
